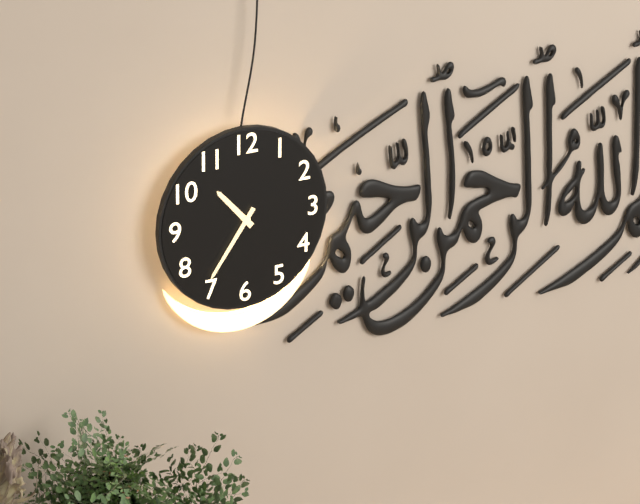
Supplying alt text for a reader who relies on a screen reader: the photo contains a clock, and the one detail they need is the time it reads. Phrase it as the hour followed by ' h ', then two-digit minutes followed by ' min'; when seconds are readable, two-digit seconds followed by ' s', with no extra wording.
10 h 36 min
